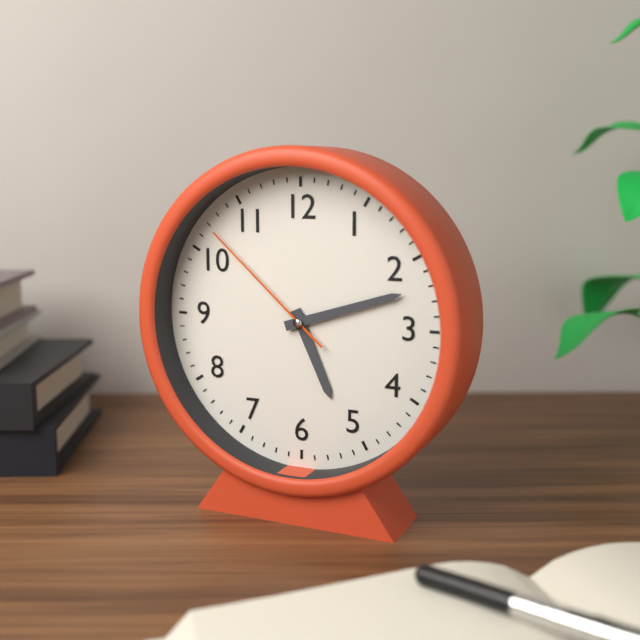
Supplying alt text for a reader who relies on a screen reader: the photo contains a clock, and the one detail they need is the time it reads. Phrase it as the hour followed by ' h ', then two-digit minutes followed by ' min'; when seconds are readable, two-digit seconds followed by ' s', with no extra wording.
5 h 12 min 52 s
